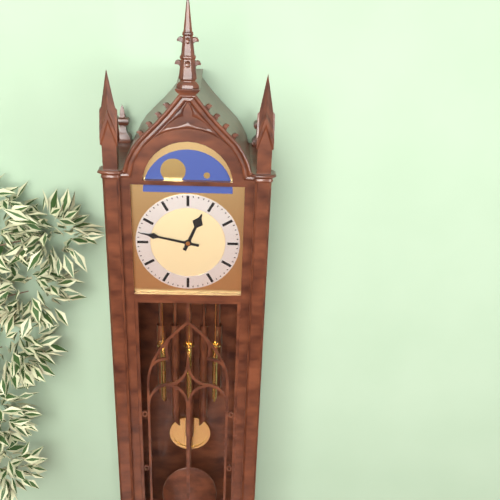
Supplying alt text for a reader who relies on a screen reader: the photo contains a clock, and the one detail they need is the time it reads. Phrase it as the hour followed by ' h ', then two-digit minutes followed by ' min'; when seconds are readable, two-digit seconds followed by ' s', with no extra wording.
12 h 47 min
